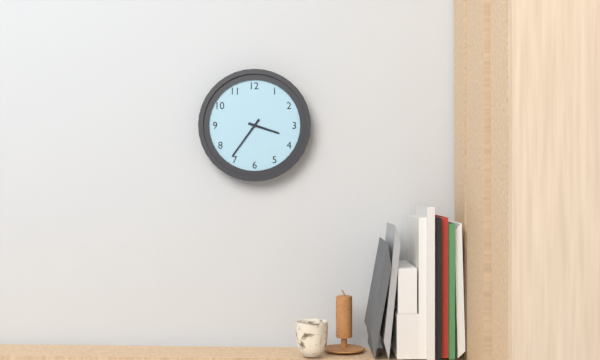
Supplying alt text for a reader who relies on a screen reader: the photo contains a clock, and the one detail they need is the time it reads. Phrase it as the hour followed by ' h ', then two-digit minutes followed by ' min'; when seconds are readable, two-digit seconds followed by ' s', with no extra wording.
3 h 36 min
